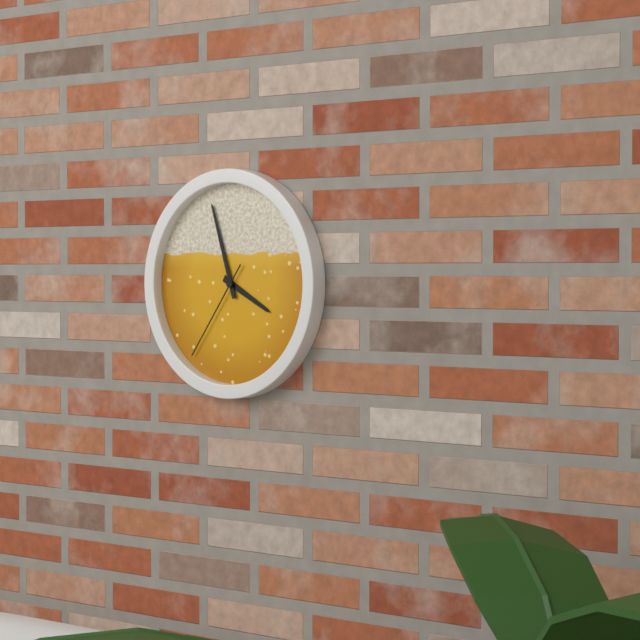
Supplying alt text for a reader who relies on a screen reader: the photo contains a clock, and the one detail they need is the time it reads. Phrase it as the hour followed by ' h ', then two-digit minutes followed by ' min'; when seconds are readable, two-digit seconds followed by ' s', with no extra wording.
3 h 57 min 36 s
